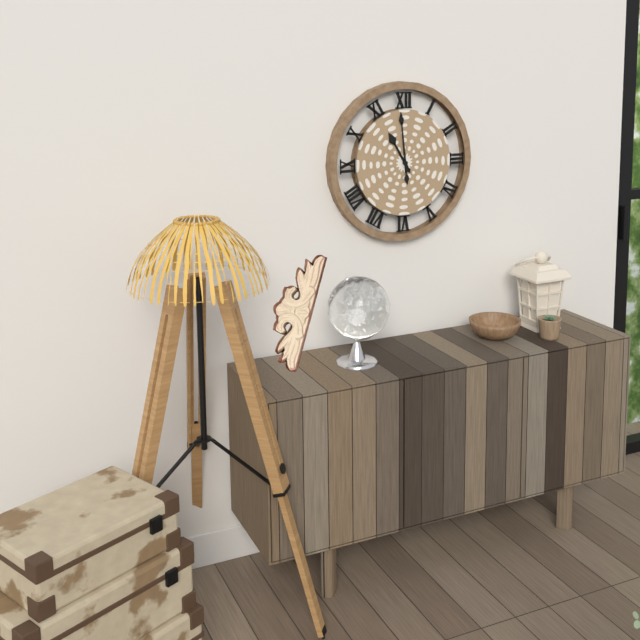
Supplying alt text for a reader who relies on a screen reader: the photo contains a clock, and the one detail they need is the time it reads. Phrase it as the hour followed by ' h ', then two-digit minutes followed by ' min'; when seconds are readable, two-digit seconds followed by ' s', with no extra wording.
10 h 59 min
